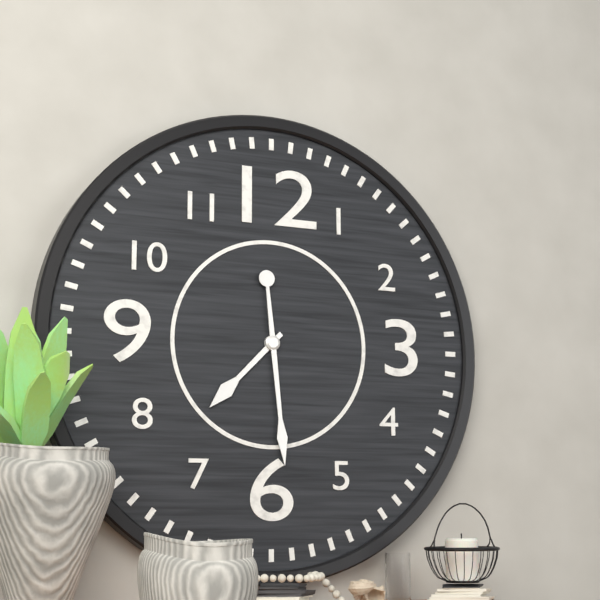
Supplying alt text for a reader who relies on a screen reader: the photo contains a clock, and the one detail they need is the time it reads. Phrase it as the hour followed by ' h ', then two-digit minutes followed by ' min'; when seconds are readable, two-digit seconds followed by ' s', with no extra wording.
7 h 29 min
